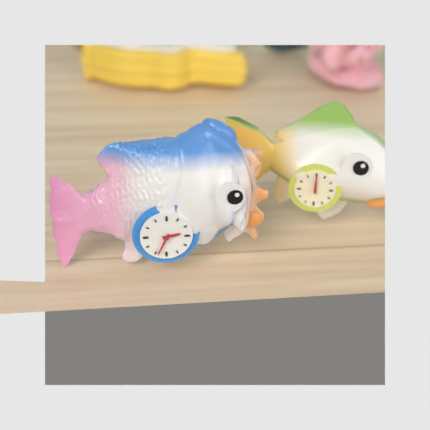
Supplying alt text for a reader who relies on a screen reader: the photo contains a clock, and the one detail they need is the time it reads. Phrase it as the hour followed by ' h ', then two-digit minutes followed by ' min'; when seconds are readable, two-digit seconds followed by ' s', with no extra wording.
2 h 34 min
